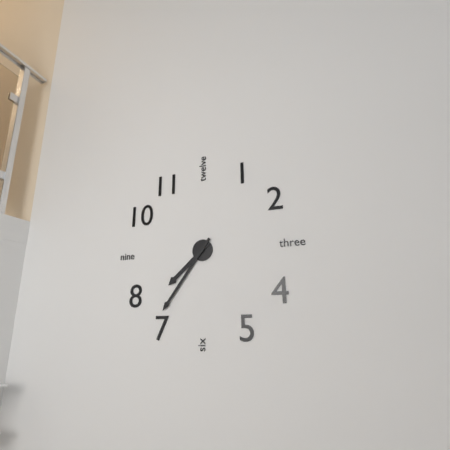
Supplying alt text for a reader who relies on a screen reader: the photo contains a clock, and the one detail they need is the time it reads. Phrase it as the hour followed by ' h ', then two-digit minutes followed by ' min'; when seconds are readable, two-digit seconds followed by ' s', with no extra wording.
7 h 36 min
